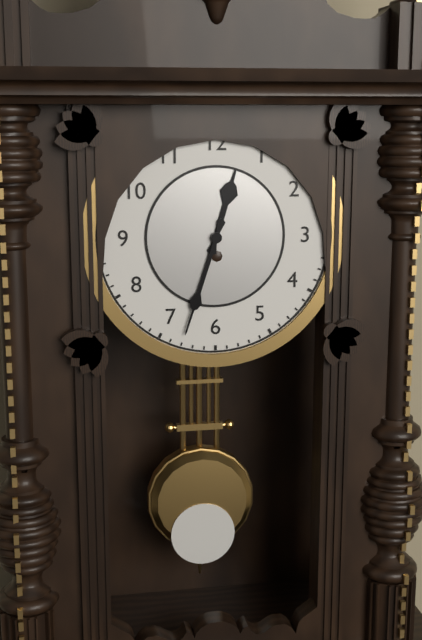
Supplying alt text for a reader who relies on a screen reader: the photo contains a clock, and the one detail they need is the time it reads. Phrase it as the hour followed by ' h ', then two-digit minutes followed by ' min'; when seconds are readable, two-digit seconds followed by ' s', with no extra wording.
12 h 33 min
